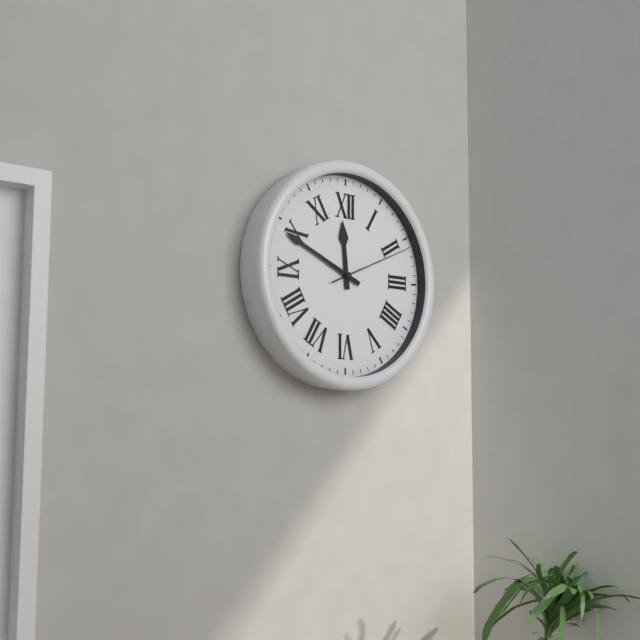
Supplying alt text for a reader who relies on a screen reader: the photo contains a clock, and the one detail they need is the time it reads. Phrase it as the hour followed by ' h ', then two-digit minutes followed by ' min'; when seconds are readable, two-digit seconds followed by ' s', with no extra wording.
11 h 49 min 11 s
